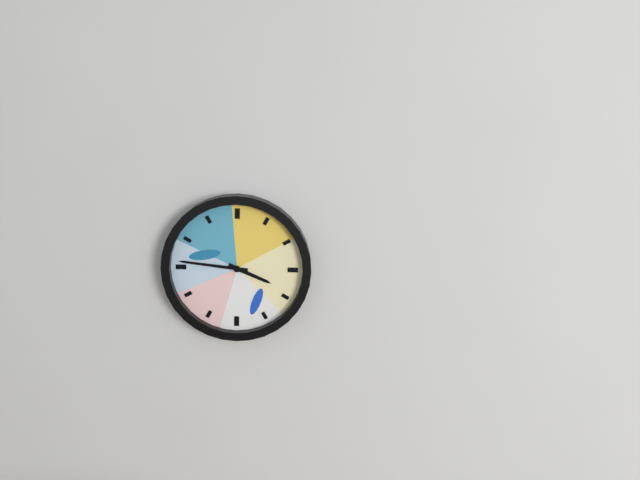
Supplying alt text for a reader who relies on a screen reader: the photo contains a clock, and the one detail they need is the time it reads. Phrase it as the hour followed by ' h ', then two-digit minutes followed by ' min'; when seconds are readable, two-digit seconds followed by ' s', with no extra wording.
3 h 46 min
